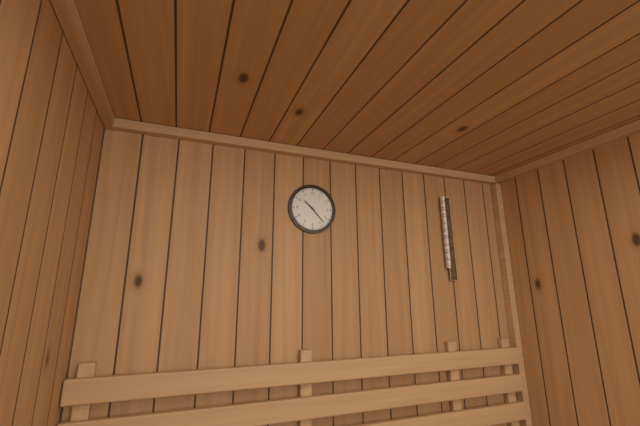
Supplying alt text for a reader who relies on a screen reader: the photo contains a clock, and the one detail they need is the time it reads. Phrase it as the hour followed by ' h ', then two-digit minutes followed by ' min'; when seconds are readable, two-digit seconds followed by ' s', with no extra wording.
10 h 23 min
